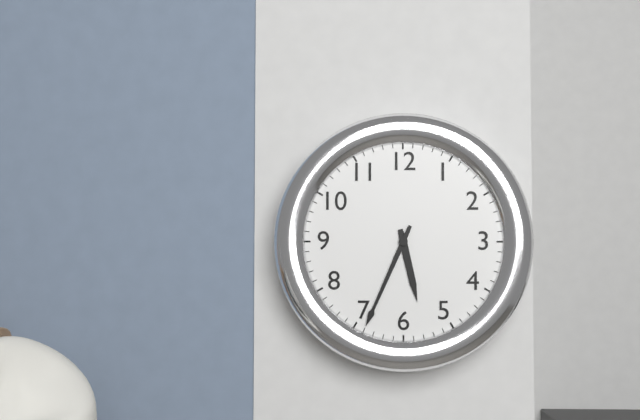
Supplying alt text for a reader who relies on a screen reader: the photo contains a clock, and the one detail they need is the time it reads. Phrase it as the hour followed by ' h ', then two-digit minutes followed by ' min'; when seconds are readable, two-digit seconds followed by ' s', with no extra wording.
5 h 34 min
